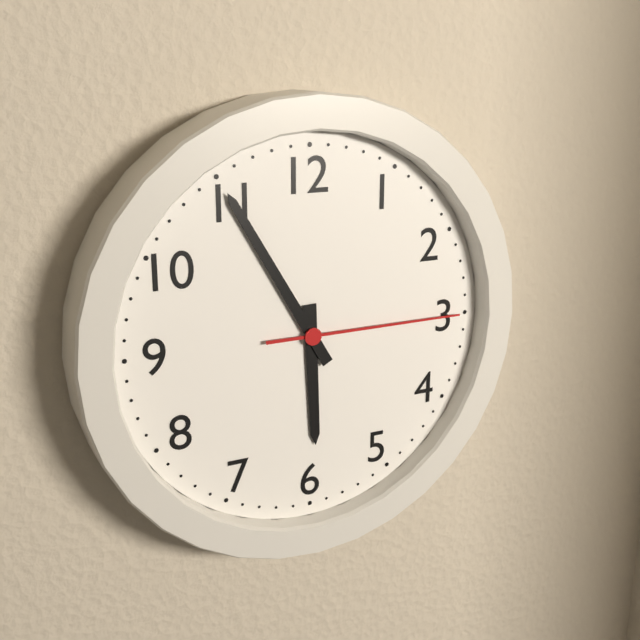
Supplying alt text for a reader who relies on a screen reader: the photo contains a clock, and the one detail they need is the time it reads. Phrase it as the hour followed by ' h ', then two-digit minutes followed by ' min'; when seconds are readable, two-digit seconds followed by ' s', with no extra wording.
5 h 55 min 15 s
